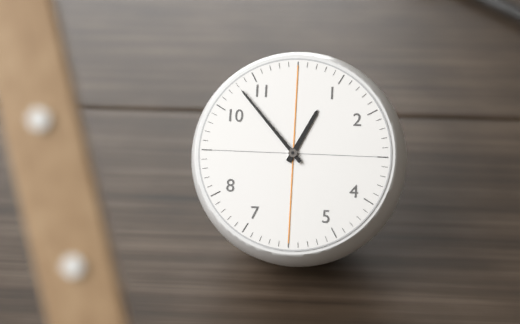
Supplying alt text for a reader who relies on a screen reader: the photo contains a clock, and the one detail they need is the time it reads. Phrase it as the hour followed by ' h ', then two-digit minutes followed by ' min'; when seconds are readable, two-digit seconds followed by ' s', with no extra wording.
12 h 53 min
